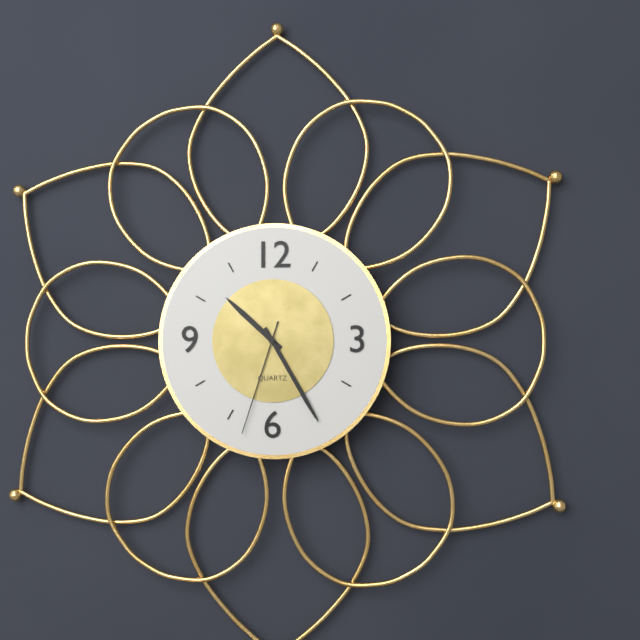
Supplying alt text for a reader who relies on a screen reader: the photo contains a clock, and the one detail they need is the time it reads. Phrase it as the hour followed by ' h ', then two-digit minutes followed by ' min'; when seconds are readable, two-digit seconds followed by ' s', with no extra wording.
10 h 25 min 33 s
